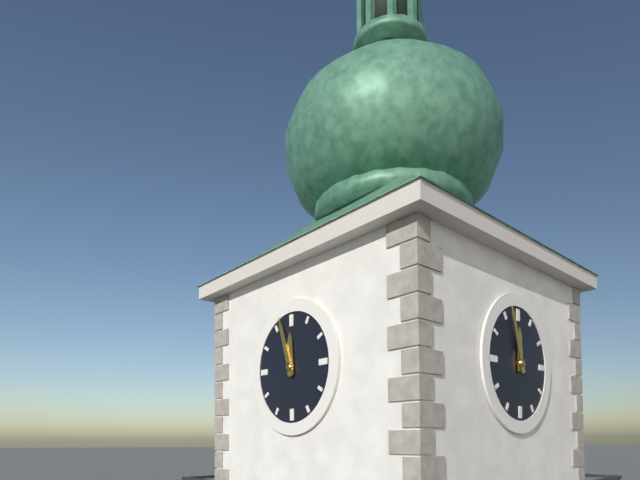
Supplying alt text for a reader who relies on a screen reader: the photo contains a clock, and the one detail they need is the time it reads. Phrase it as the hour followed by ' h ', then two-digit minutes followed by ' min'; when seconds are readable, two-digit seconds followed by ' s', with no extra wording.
11 h 57 min
